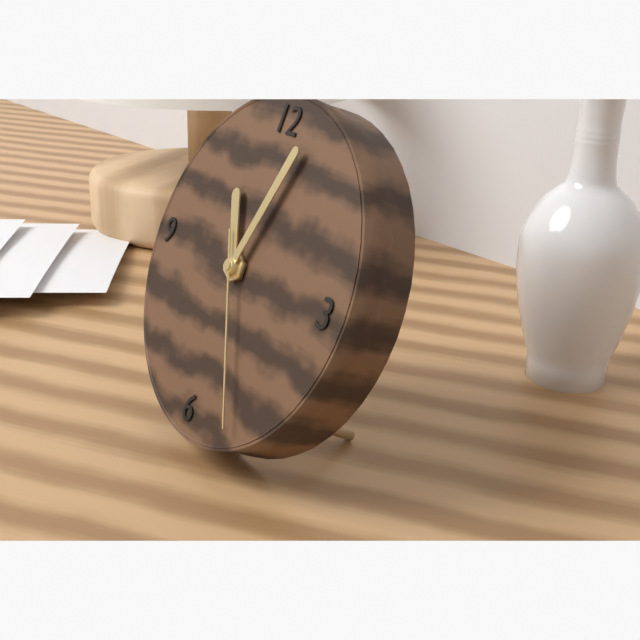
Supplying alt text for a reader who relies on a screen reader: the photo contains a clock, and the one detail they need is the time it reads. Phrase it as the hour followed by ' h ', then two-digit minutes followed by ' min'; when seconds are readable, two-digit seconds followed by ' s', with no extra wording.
11 h 03 min 25 s
